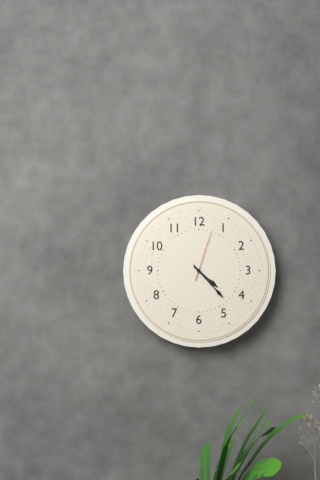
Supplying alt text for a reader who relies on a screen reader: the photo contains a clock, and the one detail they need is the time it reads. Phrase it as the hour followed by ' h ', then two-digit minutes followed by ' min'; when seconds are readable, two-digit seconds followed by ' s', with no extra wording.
4 h 23 min 03 s
